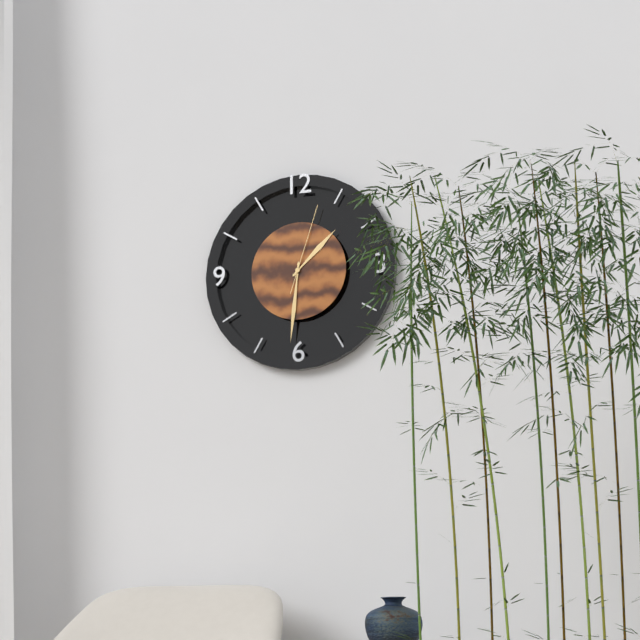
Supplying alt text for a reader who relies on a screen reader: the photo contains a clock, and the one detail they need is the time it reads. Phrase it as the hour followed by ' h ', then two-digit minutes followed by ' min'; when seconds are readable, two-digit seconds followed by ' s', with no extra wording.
1 h 31 min 03 s
